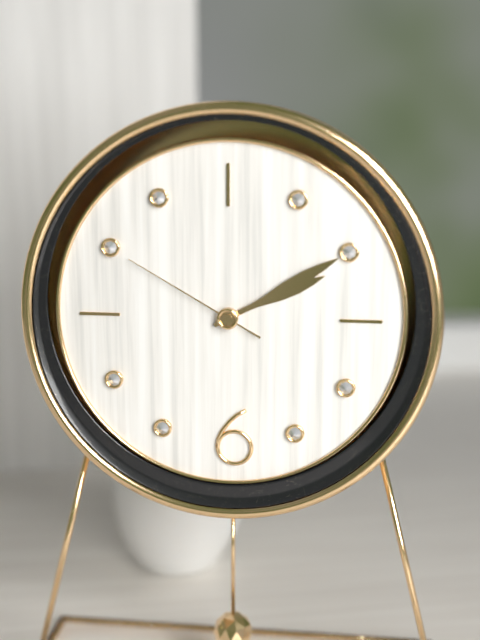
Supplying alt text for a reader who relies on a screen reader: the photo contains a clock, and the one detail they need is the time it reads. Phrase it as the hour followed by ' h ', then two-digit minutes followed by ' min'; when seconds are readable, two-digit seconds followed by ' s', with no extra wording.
2 h 10 min 50 s
